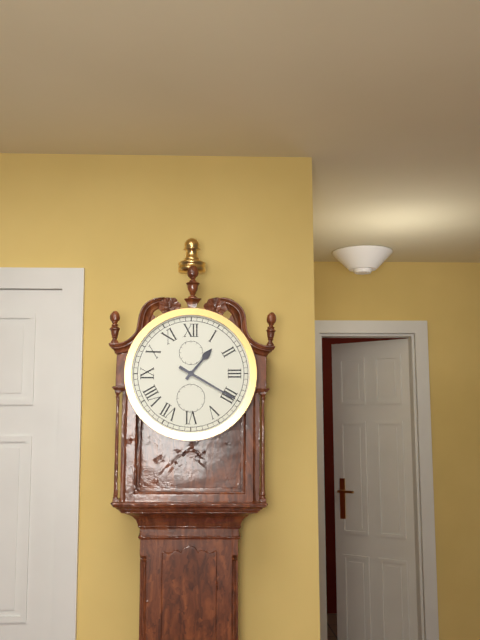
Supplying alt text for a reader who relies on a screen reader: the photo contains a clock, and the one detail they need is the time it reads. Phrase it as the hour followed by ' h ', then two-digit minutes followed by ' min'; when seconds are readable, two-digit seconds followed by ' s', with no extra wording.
1 h 20 min
